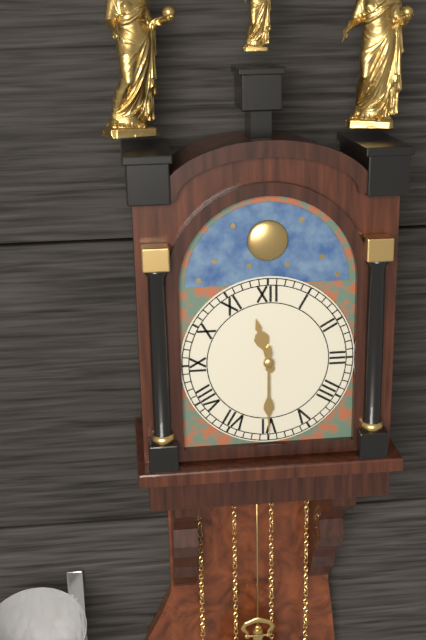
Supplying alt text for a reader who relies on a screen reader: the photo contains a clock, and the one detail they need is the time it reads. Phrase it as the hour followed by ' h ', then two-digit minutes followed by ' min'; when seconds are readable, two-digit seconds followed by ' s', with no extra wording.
11 h 30 min
